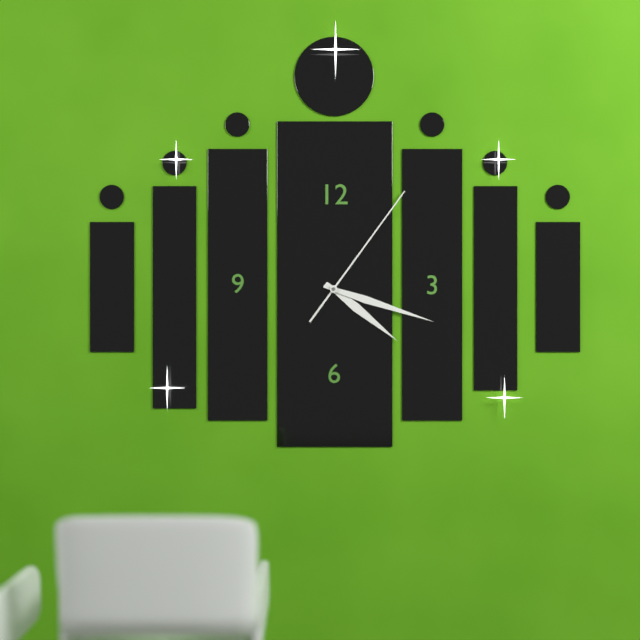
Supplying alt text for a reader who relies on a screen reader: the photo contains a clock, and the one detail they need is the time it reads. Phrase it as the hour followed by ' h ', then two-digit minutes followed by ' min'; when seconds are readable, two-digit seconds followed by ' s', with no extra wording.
4 h 18 min 06 s
